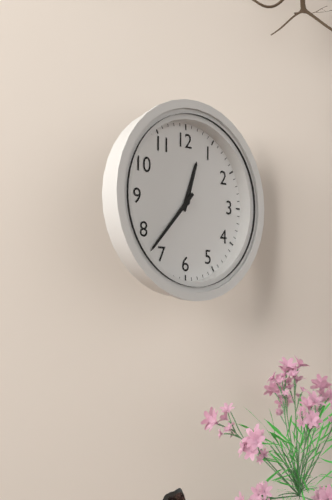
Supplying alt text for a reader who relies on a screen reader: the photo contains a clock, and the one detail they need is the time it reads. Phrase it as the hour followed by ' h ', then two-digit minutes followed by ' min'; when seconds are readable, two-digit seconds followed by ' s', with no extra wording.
12 h 37 min
